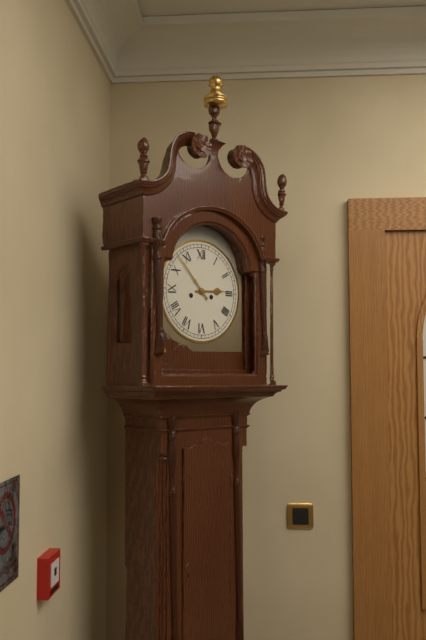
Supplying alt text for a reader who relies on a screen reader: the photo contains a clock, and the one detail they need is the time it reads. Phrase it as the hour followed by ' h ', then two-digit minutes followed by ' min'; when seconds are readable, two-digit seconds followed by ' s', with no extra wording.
2 h 53 min
